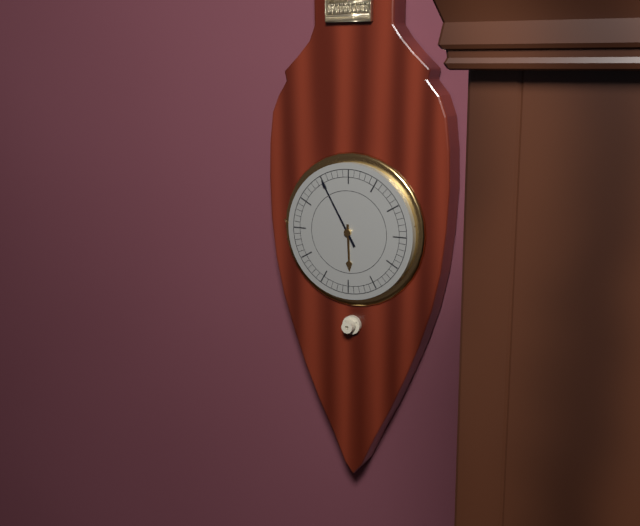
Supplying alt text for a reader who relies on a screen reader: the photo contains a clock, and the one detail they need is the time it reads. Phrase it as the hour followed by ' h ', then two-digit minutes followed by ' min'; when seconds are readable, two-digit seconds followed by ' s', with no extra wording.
5 h 55 min
